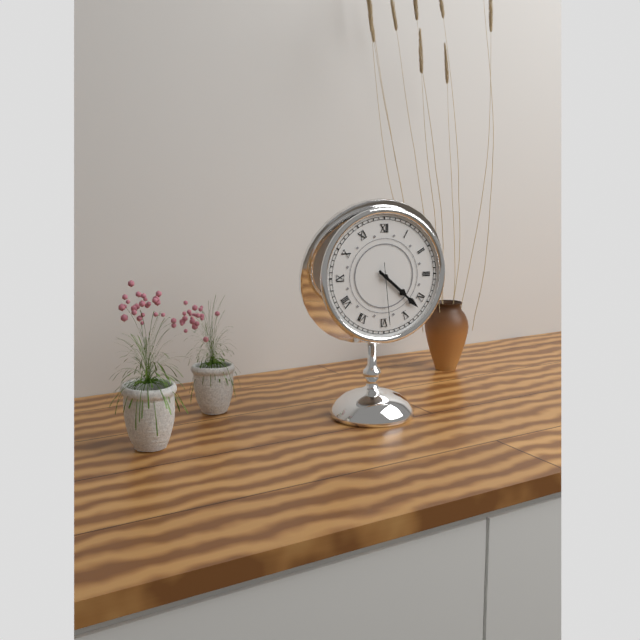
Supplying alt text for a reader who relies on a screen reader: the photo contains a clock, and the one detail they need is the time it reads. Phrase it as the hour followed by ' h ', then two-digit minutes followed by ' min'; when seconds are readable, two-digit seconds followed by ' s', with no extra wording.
4 h 22 min 29 s
